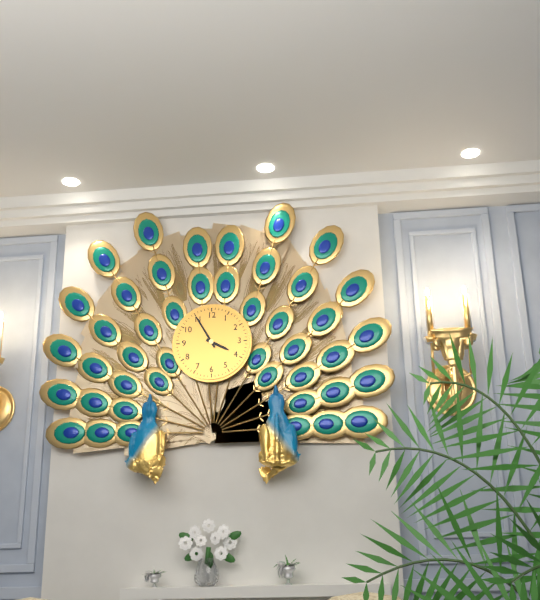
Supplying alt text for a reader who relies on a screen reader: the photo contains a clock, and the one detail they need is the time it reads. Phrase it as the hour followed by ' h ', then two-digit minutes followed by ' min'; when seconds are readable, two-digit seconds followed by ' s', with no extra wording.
3 h 55 min
